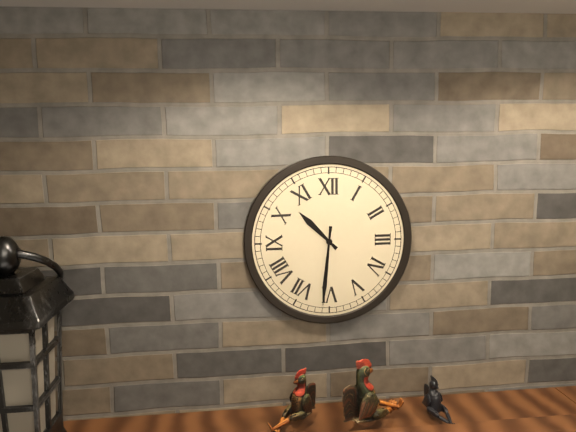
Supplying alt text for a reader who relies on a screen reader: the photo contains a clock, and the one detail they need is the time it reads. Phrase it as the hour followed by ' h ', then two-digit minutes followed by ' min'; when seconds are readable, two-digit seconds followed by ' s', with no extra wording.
10 h 31 min
